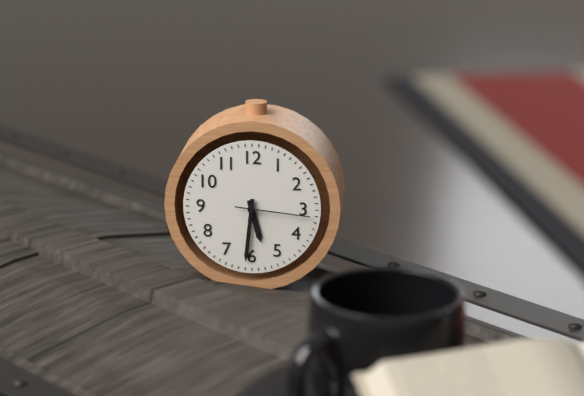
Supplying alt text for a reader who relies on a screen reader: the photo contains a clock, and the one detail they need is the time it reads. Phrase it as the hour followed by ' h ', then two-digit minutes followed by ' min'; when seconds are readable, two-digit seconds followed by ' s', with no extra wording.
5 h 31 min 16 s
